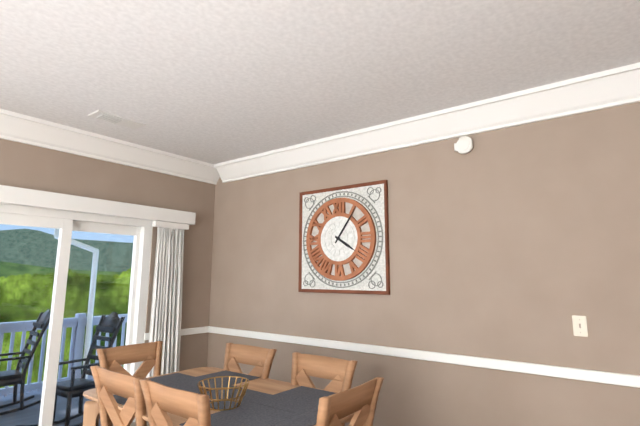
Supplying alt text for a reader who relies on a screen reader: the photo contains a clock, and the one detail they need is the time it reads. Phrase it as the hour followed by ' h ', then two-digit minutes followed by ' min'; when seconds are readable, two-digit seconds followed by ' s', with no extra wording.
4 h 06 min
